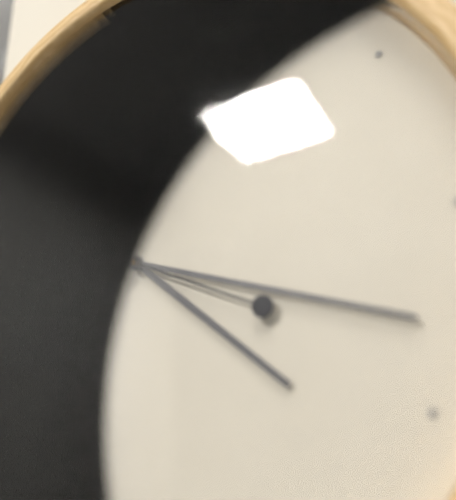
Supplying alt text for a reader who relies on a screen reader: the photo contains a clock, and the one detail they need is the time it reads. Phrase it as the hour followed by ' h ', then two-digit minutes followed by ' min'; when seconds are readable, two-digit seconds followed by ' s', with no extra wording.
4 h 18 min
